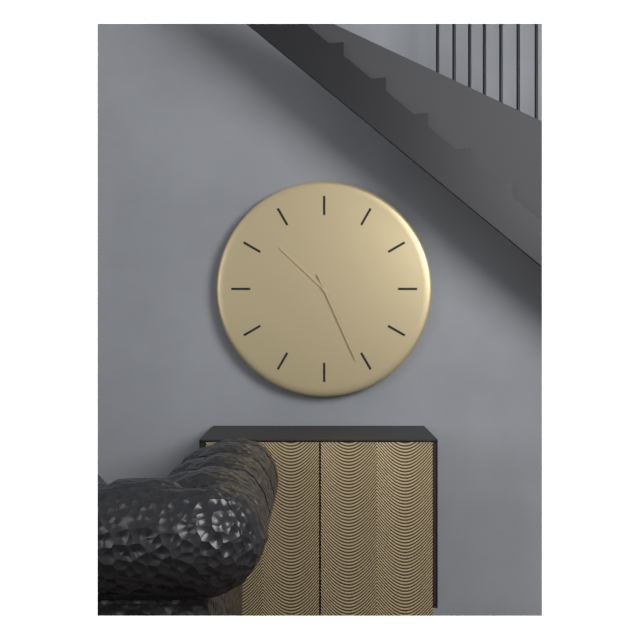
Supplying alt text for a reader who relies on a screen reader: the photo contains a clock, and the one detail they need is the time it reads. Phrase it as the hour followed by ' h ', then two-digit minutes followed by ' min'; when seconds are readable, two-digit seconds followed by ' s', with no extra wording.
10 h 26 min
